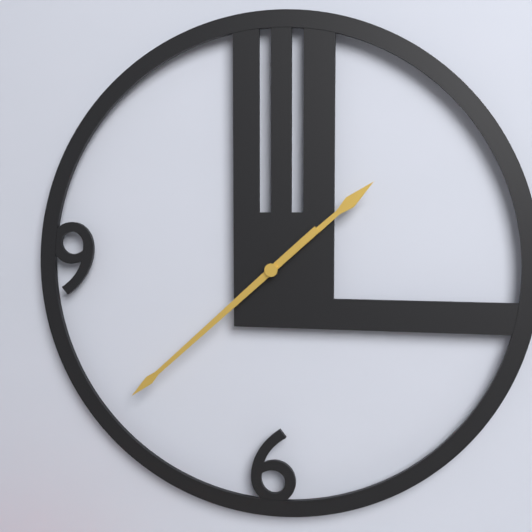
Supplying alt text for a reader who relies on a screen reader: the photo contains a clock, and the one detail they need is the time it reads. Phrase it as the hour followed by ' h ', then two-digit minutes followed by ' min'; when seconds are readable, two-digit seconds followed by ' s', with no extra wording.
1 h 38 min
